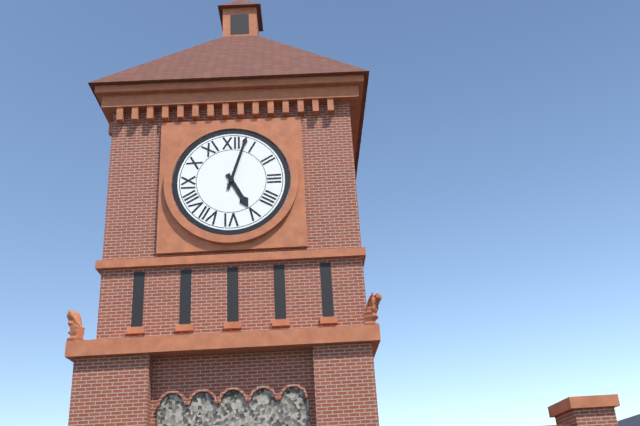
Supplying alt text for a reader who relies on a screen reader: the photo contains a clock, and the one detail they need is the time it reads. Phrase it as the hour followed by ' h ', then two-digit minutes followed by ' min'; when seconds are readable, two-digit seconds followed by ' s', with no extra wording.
5 h 03 min
